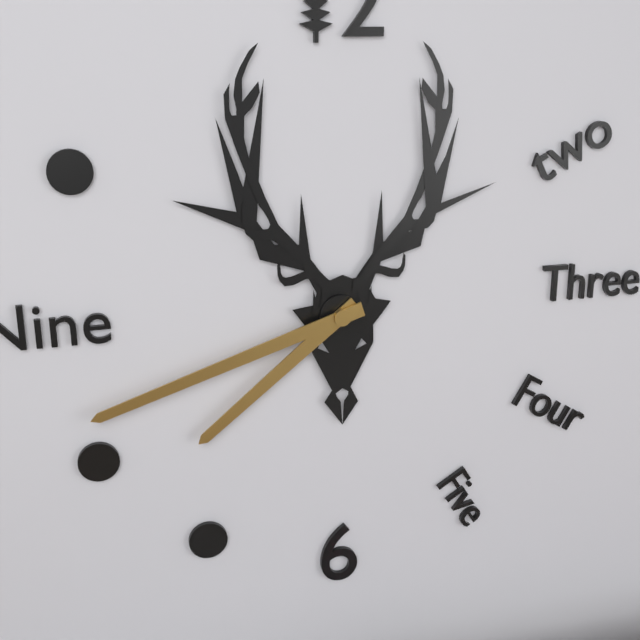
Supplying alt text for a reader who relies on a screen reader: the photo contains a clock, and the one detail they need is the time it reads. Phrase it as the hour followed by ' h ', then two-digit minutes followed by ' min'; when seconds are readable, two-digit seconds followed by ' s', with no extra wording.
7 h 42 min
